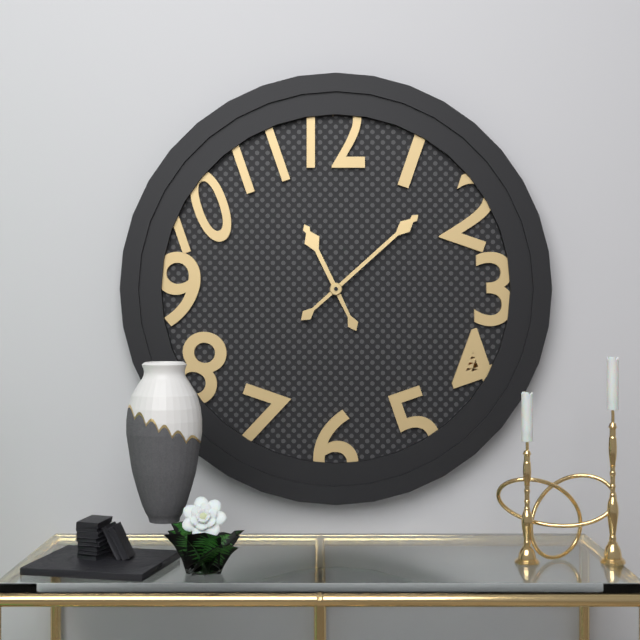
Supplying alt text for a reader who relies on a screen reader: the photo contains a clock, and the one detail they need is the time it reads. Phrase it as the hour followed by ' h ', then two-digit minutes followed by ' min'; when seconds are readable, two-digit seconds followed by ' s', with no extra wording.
11 h 08 min
